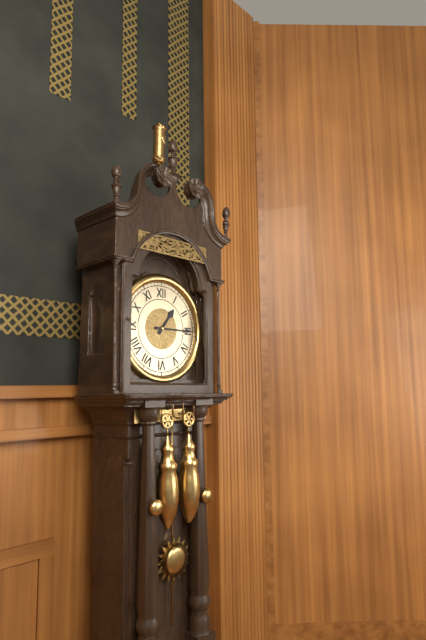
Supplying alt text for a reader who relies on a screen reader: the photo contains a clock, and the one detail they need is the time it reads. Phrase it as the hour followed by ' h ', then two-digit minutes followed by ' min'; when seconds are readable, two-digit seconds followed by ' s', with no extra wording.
1 h 15 min
